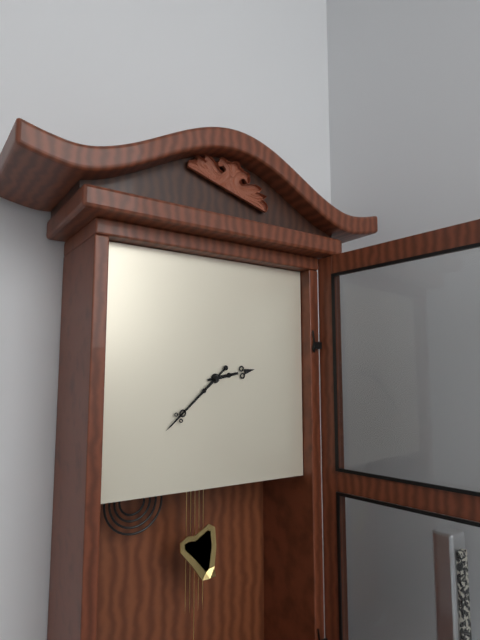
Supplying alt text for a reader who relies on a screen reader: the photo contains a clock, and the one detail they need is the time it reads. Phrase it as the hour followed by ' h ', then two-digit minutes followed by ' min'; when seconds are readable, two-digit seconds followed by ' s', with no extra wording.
2 h 38 min
